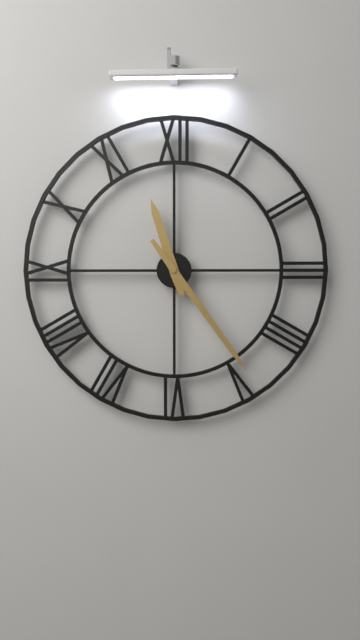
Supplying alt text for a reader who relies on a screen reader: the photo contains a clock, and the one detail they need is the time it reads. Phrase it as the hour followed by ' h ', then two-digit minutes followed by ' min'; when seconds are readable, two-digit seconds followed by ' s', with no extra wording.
11 h 24 min
